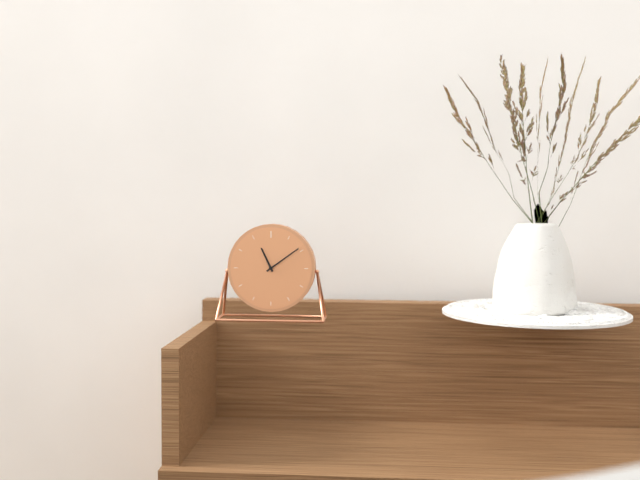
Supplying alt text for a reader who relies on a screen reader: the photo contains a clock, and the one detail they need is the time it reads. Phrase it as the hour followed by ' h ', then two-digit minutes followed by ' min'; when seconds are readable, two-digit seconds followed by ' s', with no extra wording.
11 h 09 min
